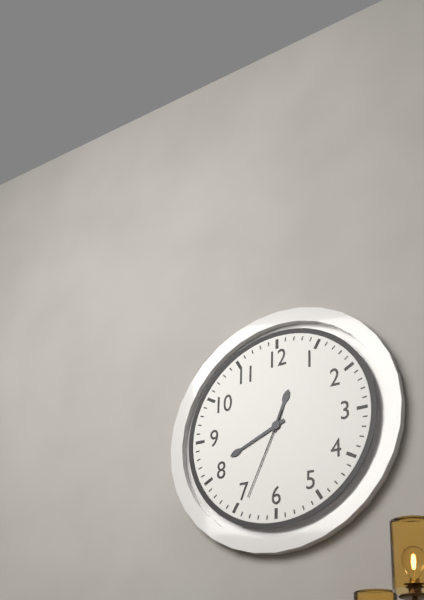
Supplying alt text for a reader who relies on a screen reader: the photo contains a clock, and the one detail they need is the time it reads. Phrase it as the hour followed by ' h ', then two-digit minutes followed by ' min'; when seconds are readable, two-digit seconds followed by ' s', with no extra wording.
12 h 41 min 34 s
